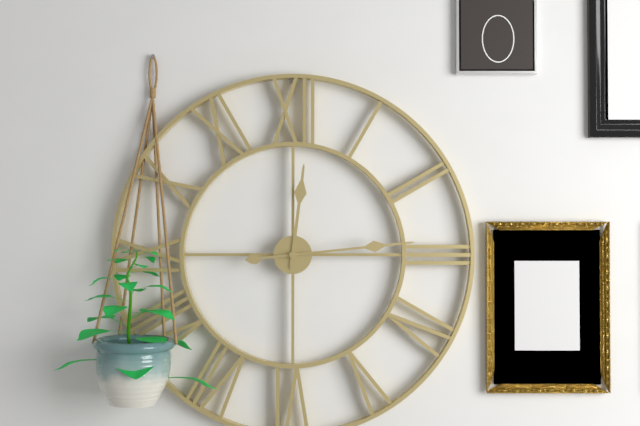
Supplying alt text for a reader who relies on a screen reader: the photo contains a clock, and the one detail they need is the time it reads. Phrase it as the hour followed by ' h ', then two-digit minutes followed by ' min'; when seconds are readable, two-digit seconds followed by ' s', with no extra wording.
12 h 14 min
